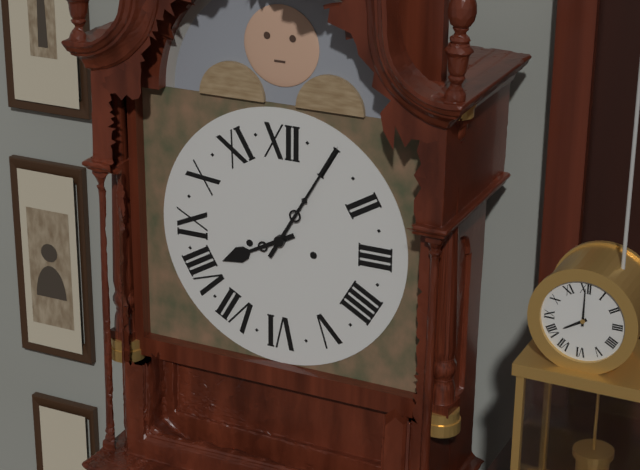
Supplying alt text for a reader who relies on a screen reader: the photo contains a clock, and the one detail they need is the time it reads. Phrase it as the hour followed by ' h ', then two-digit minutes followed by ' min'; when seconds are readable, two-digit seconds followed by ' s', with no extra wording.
8 h 05 min
